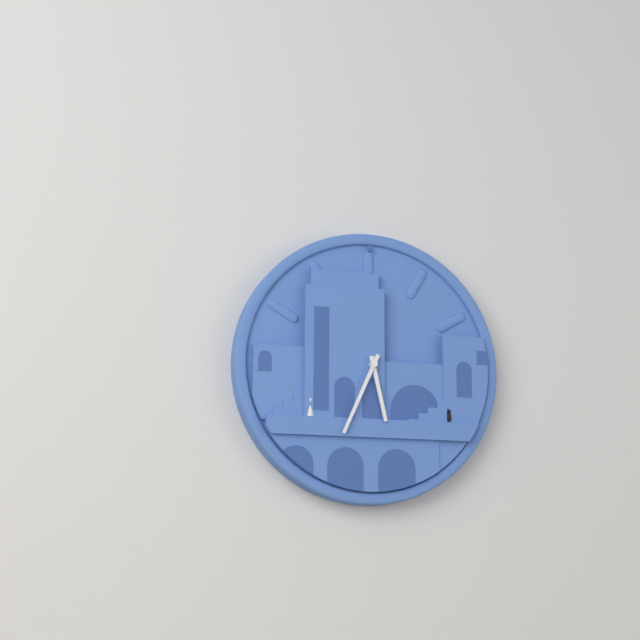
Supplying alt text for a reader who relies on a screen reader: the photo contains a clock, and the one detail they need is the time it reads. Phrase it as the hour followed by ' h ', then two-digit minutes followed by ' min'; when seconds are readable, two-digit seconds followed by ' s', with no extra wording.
5 h 34 min
